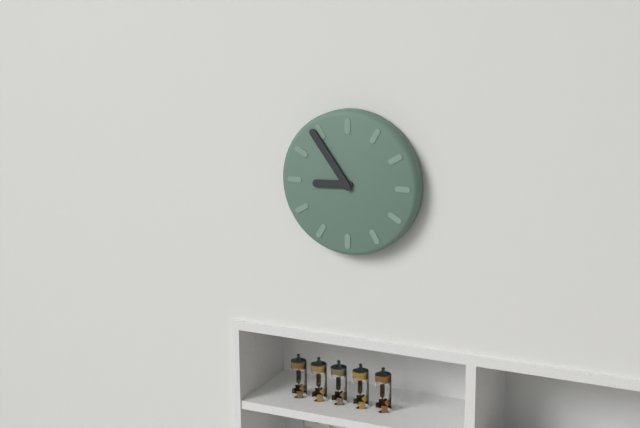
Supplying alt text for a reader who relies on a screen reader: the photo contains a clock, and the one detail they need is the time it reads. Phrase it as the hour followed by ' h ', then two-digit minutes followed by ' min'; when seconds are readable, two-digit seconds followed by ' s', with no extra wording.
8 h 54 min
